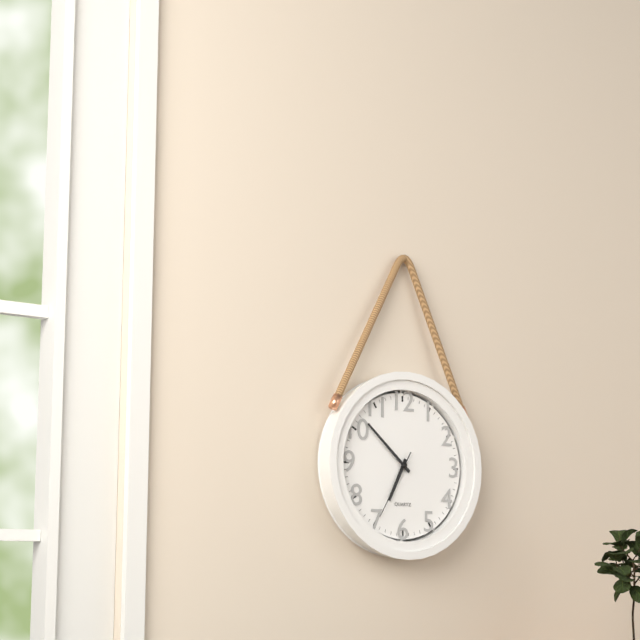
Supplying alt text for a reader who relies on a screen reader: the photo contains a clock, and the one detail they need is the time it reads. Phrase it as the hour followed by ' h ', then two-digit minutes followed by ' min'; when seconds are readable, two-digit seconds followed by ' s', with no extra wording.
6 h 52 min 35 s
